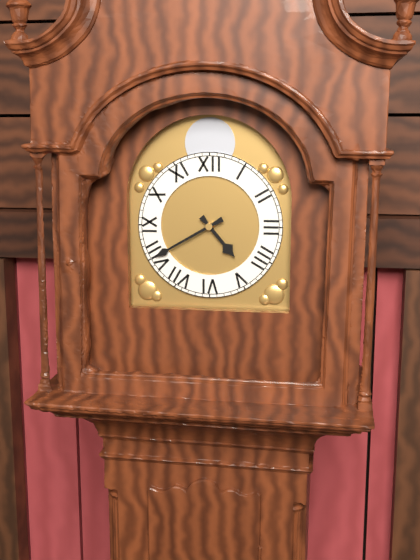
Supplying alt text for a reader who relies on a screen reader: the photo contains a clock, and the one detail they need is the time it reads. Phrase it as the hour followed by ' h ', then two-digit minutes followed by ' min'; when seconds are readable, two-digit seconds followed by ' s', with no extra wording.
4 h 40 min
